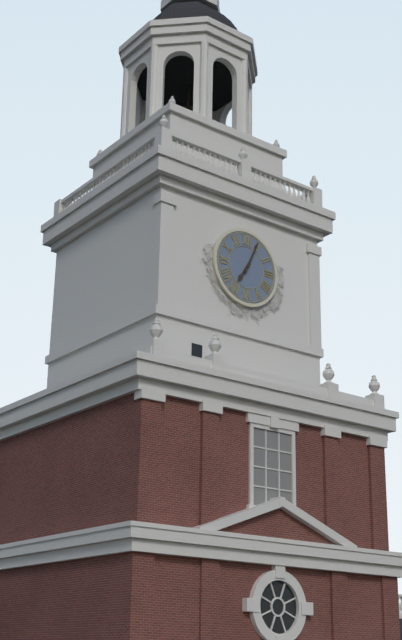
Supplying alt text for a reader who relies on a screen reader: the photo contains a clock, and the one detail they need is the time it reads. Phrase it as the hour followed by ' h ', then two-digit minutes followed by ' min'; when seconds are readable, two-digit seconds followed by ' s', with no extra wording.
7 h 04 min
